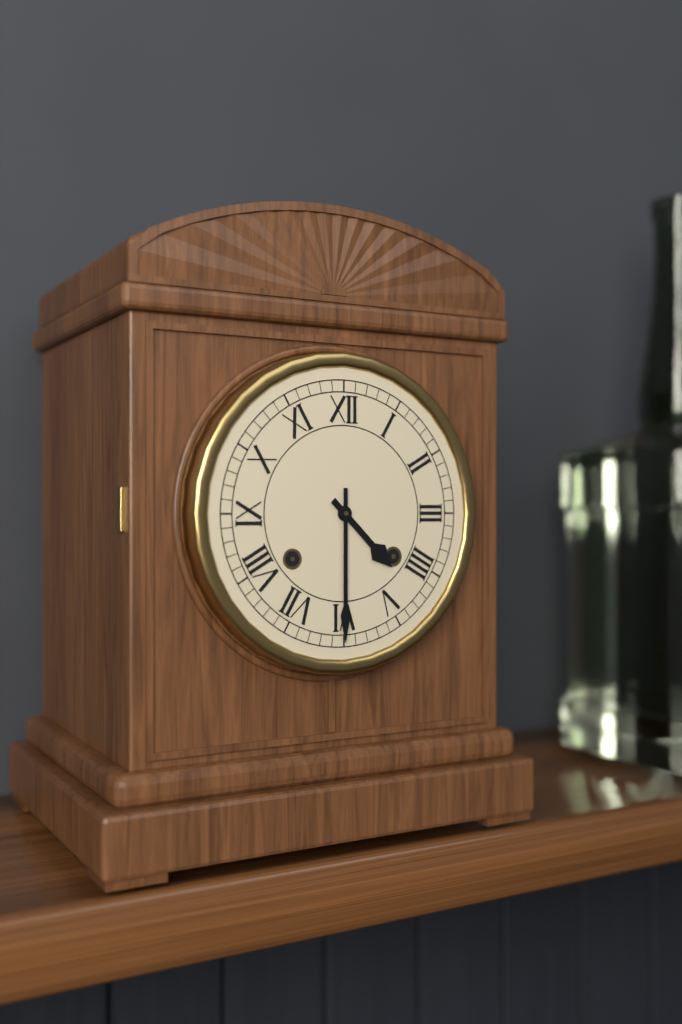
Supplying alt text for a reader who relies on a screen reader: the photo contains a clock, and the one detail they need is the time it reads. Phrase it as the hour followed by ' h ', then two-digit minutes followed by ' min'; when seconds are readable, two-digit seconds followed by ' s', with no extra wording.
4 h 30 min
